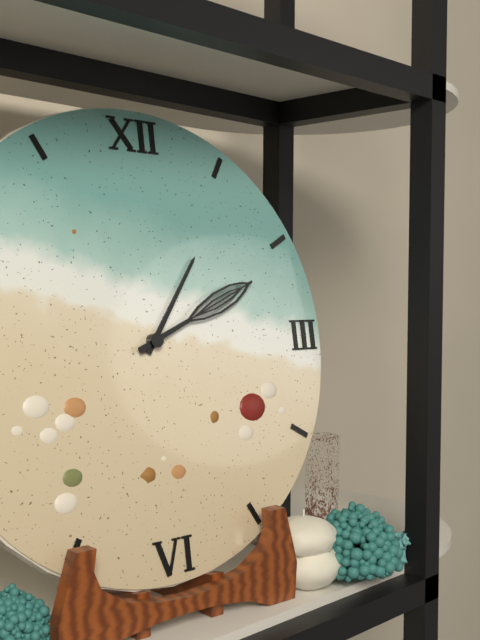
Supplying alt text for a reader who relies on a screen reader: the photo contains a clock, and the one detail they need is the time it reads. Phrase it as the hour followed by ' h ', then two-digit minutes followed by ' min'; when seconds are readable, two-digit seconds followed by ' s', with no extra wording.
1 h 11 min
